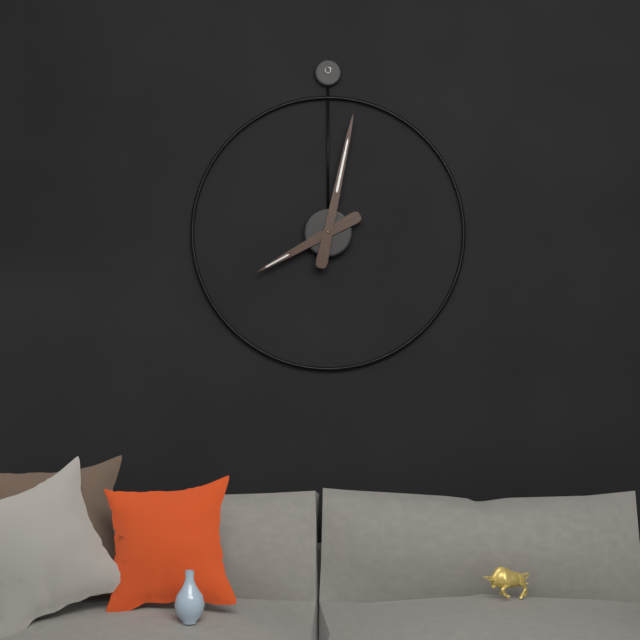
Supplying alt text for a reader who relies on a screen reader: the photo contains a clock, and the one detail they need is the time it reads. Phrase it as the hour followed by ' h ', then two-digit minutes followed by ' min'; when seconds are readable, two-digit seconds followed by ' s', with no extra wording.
8 h 02 min
